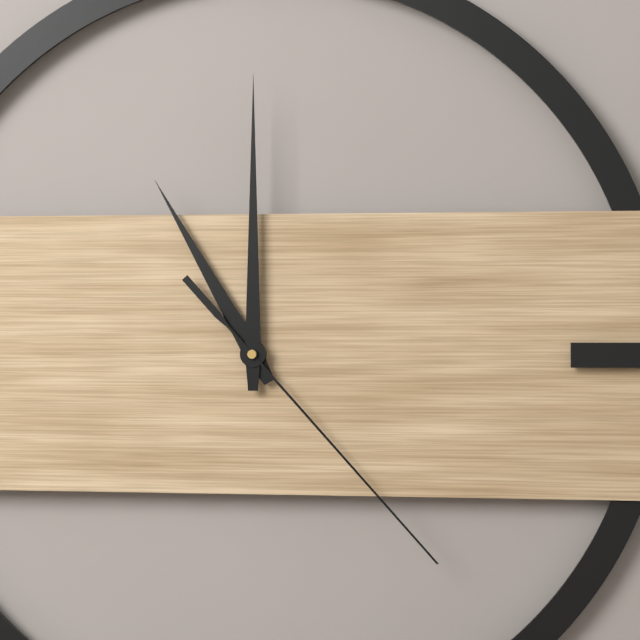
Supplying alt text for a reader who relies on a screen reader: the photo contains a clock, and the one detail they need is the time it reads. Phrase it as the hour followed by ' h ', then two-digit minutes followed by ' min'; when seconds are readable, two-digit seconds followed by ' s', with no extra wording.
11 h 00 min 23 s
